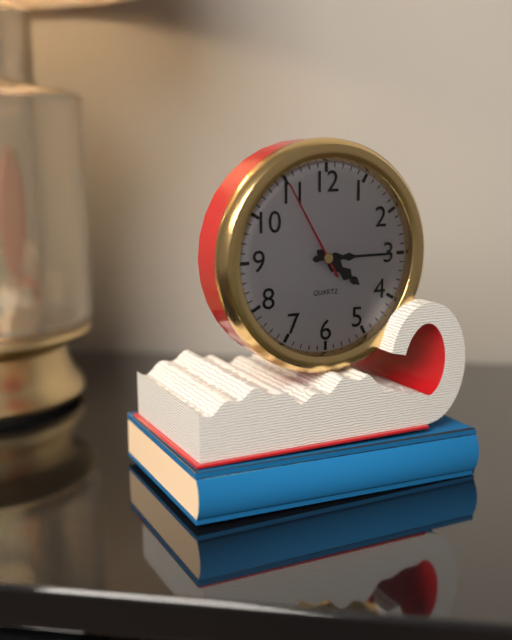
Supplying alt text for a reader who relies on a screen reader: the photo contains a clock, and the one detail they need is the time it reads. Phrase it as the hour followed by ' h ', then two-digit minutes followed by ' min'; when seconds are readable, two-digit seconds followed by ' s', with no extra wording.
4 h 15 min 55 s
